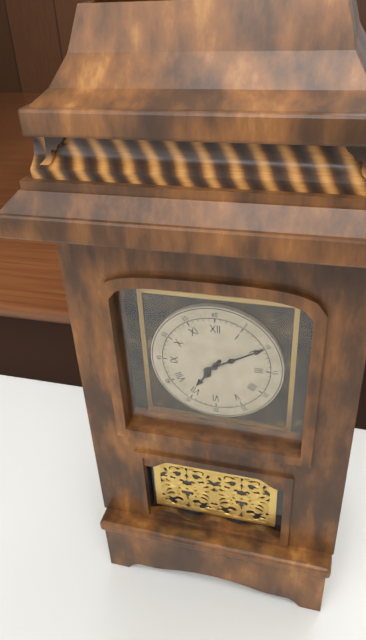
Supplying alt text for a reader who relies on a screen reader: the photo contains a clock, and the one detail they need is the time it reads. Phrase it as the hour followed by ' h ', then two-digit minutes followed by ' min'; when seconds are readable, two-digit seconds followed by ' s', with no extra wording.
7 h 10 min
